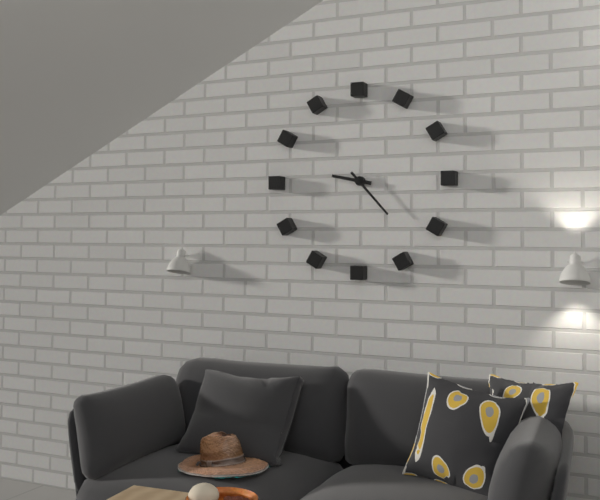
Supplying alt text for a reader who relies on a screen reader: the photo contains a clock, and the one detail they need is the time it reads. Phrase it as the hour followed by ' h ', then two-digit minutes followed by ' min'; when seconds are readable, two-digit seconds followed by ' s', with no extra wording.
9 h 23 min
